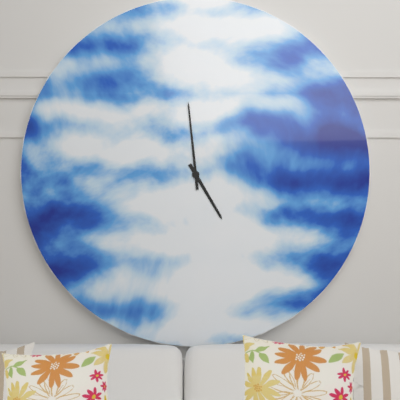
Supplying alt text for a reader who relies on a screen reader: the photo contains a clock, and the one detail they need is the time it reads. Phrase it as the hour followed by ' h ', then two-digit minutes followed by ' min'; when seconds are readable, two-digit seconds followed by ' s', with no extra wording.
4 h 59 min
